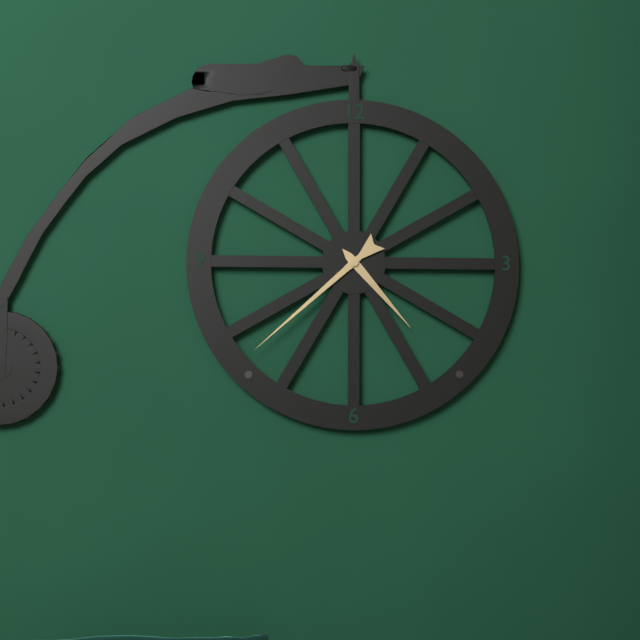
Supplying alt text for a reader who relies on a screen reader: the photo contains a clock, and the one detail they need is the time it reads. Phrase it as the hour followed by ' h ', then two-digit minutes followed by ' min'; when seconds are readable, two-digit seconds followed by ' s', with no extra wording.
4 h 38 min
